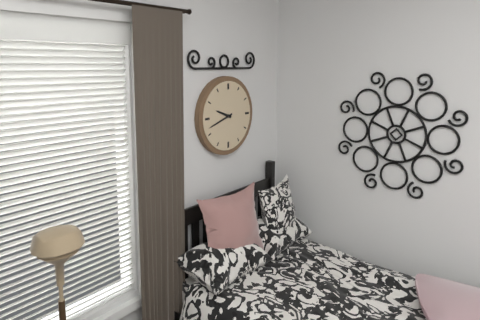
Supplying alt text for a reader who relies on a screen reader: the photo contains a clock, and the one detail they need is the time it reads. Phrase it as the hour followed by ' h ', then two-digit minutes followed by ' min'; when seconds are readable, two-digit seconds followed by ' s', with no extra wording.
9 h 42 min
